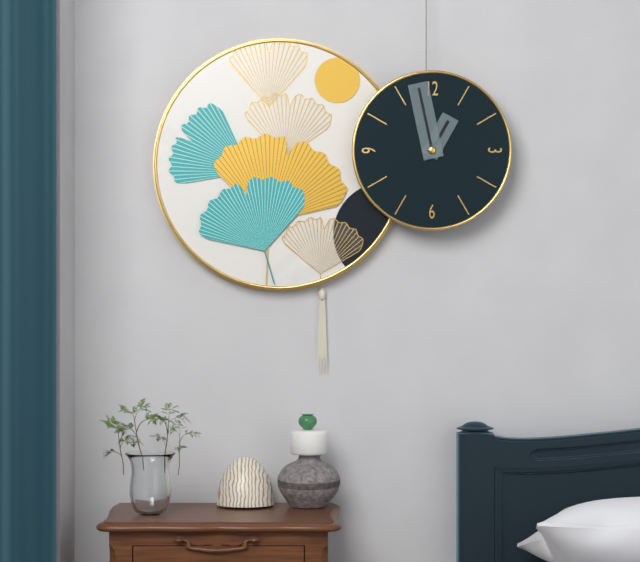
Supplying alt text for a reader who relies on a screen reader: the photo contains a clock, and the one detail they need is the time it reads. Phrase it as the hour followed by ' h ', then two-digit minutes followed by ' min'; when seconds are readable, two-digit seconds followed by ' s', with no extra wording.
12 h 58 min
